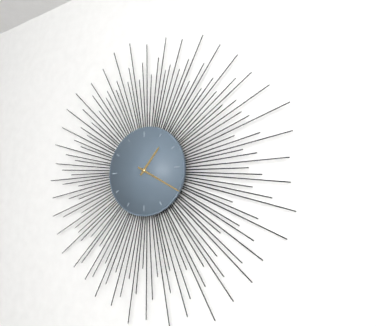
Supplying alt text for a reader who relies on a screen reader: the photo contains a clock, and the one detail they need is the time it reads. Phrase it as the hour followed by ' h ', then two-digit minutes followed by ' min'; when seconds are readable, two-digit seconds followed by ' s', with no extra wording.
1 h 20 min
